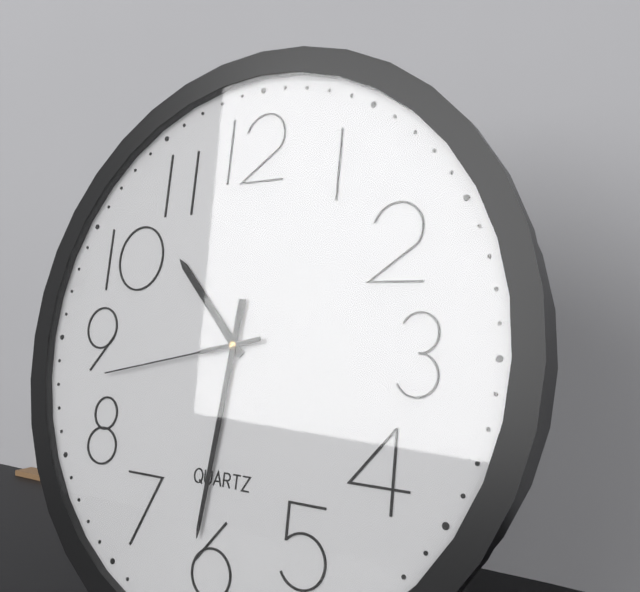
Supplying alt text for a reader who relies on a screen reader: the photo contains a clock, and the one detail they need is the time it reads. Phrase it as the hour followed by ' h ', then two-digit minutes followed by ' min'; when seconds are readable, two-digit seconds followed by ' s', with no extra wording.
10 h 31 min 43 s
